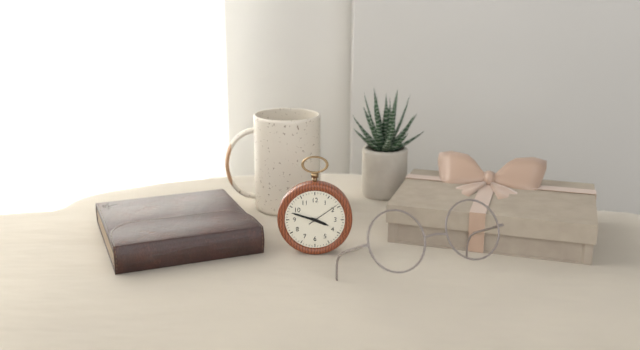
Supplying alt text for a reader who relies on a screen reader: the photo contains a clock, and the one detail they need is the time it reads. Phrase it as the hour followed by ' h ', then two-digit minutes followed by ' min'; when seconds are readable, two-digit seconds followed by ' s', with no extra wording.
3 h 48 min
